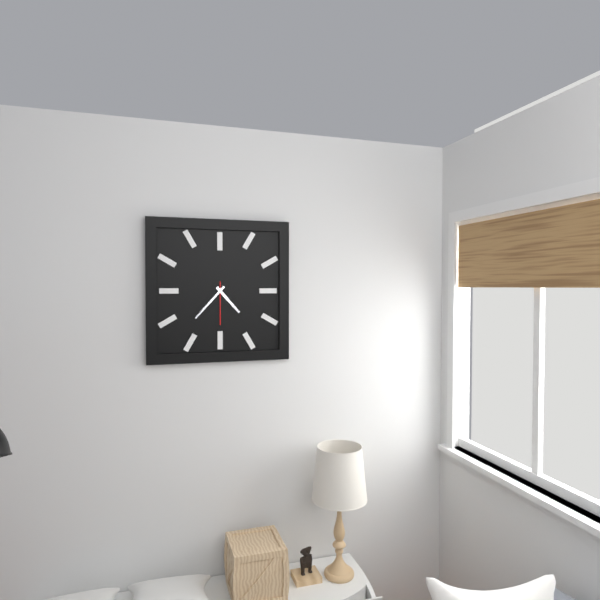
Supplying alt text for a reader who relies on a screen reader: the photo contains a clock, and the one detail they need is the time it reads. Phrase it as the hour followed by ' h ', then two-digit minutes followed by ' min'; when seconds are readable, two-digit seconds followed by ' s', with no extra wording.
4 h 37 min
